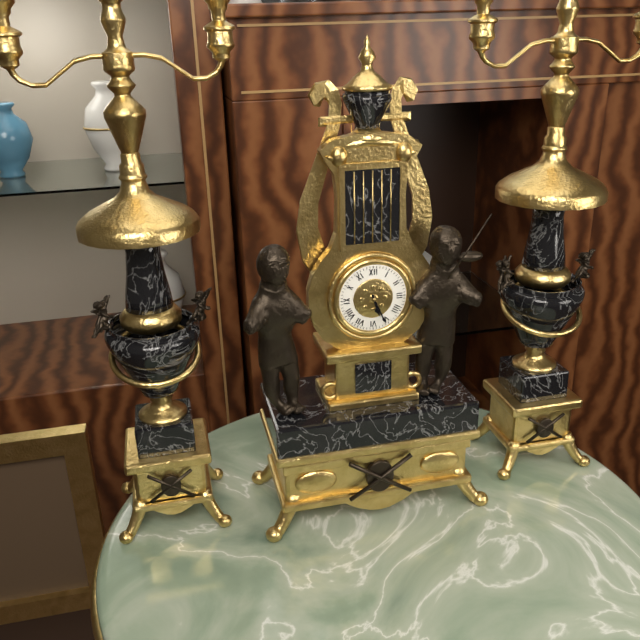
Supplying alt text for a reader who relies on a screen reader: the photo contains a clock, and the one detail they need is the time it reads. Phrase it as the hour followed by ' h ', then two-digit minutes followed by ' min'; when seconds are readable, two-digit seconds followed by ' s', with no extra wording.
5 h 26 min
